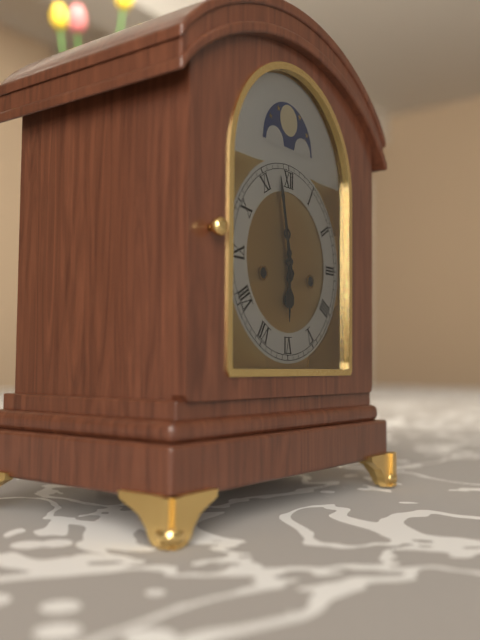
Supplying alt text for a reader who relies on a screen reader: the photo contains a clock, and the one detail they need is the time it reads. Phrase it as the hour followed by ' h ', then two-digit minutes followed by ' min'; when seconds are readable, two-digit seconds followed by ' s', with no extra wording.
5 h 58 min
